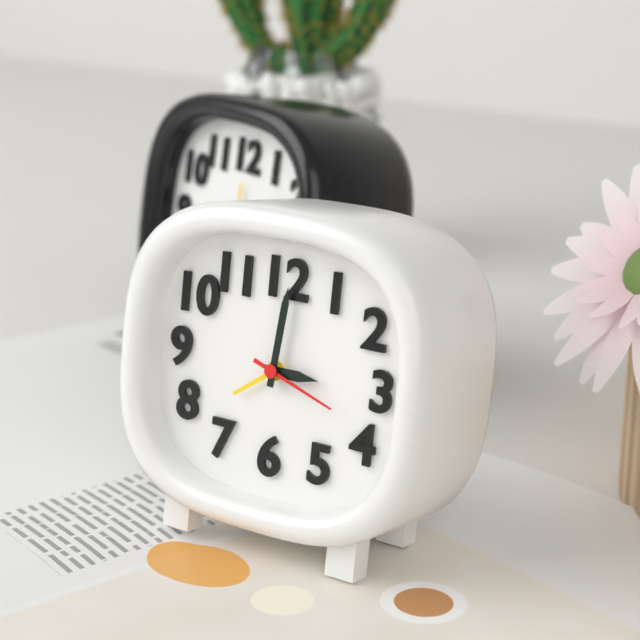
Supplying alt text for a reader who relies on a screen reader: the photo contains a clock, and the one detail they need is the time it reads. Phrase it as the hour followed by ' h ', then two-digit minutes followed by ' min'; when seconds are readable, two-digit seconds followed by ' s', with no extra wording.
3 h 01 min 18 s
